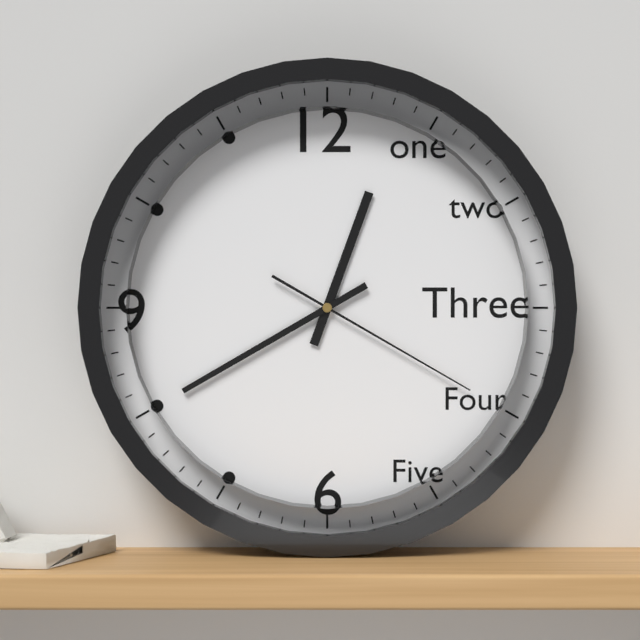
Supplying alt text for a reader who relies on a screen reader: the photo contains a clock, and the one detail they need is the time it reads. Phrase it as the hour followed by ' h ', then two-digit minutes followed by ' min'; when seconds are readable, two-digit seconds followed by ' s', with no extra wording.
12 h 40 min 20 s
